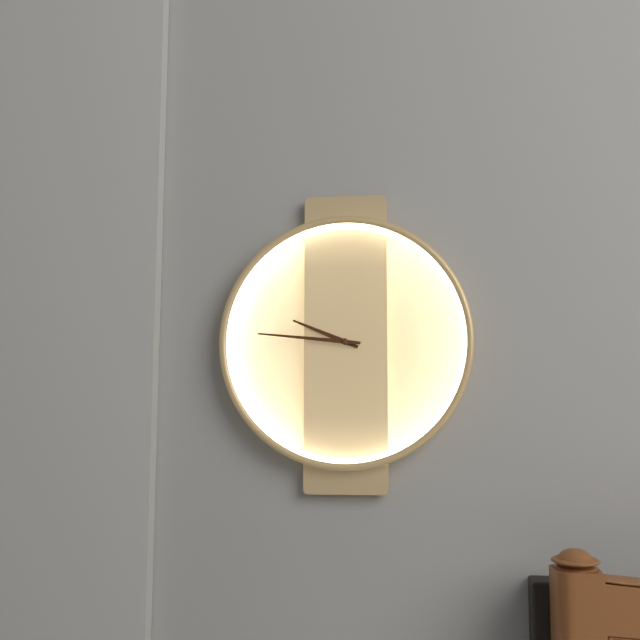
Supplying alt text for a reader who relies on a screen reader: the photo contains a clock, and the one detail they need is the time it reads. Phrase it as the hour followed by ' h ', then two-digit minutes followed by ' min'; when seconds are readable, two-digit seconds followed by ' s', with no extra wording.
9 h 46 min
